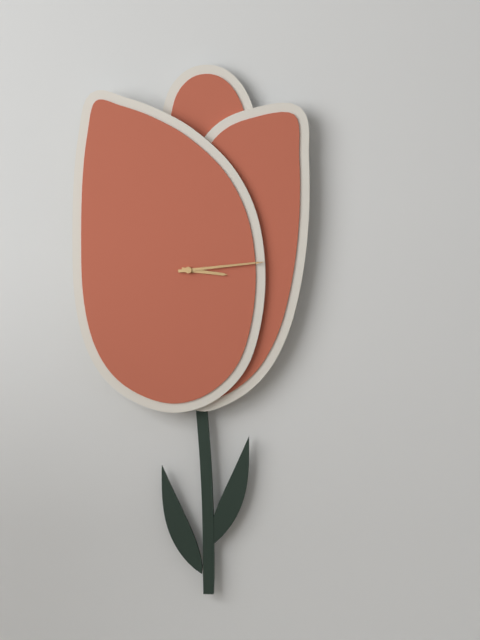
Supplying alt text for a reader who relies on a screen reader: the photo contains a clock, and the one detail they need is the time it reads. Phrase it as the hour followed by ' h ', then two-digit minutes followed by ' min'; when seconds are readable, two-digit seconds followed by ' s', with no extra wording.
3 h 14 min
